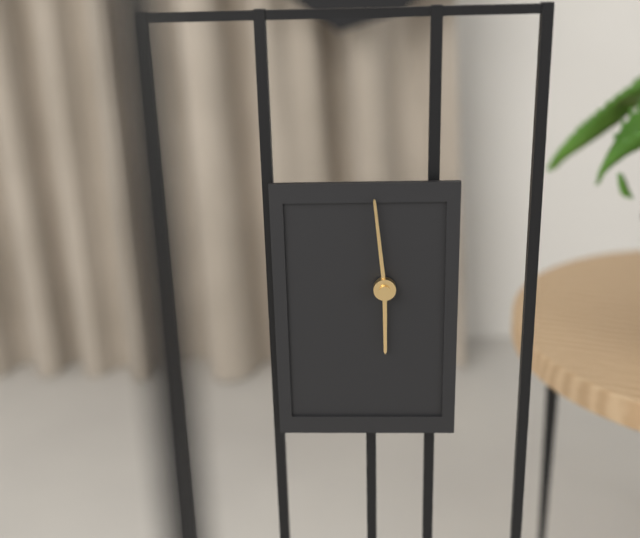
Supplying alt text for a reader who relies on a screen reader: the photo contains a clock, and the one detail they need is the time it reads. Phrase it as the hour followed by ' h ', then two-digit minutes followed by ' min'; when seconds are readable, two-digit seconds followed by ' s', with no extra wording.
5 h 59 min
